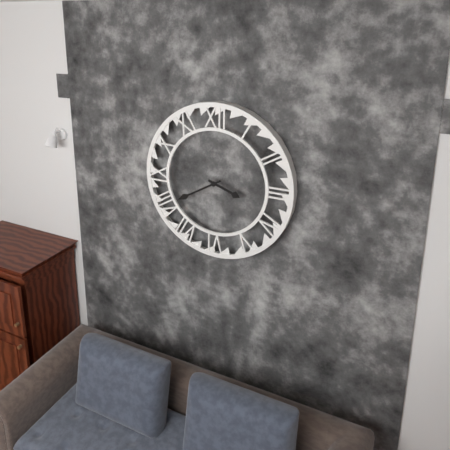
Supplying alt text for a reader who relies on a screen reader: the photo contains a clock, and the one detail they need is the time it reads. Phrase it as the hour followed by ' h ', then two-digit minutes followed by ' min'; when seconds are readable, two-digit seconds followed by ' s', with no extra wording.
3 h 40 min
